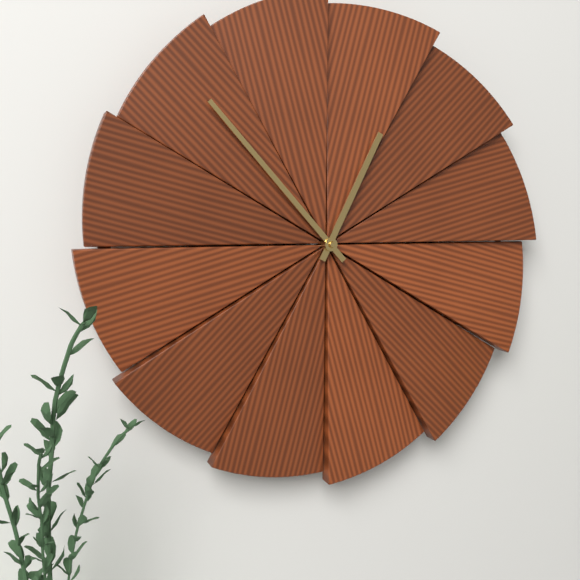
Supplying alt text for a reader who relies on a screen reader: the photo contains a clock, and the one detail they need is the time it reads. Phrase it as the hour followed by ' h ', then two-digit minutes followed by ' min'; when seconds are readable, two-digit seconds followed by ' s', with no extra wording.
12 h 53 min
